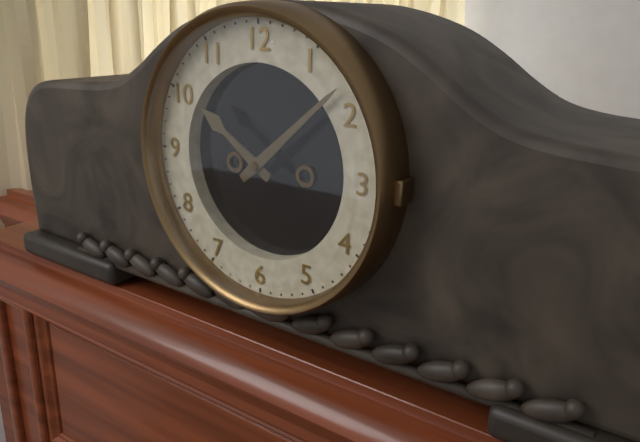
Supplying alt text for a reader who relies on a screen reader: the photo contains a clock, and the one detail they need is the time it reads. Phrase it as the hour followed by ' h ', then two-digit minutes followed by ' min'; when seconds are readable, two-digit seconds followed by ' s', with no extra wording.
10 h 08 min
